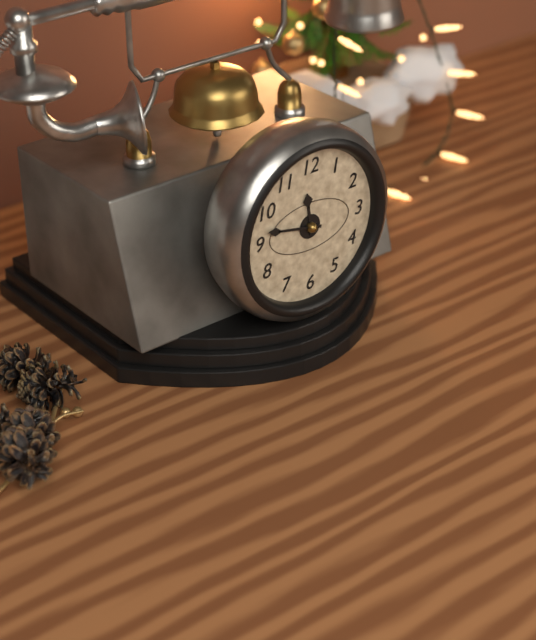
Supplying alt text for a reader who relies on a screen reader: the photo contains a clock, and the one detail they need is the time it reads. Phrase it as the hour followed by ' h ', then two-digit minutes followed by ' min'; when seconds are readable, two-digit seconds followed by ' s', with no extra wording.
11 h 47 min
